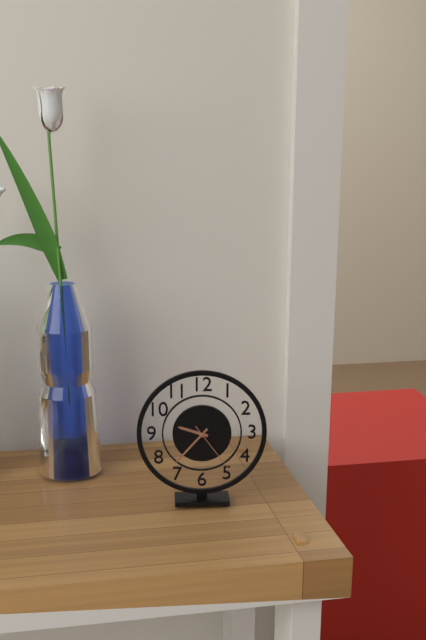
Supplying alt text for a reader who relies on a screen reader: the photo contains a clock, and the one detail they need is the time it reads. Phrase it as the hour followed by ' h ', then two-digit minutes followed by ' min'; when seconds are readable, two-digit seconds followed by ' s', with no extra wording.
9 h 37 min 24 s
